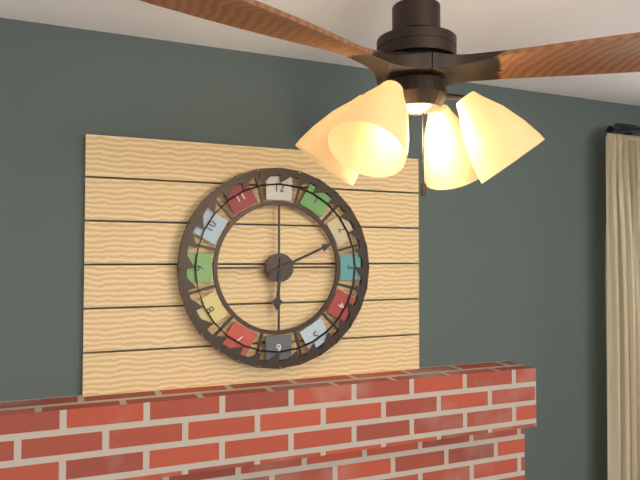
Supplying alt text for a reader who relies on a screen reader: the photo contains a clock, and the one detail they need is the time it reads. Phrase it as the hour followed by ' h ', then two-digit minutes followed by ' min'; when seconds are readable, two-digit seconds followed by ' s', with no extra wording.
6 h 11 min
